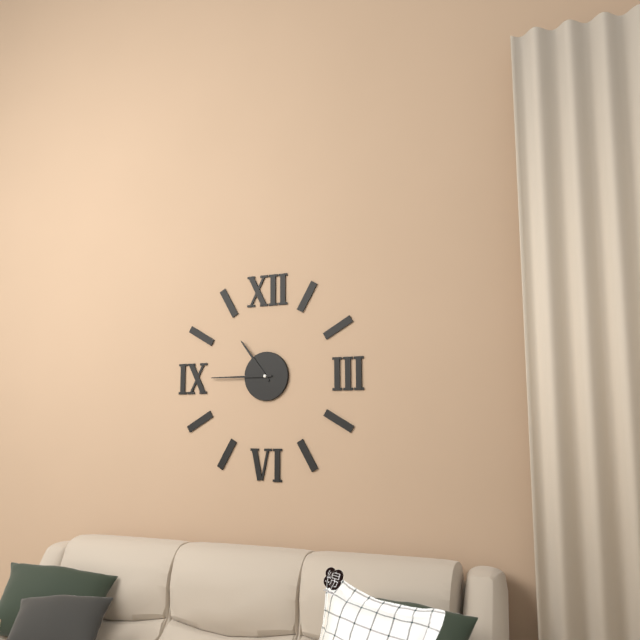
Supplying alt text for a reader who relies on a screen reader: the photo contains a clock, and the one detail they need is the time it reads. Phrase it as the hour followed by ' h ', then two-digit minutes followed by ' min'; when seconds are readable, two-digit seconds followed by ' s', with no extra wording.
10 h 45 min
